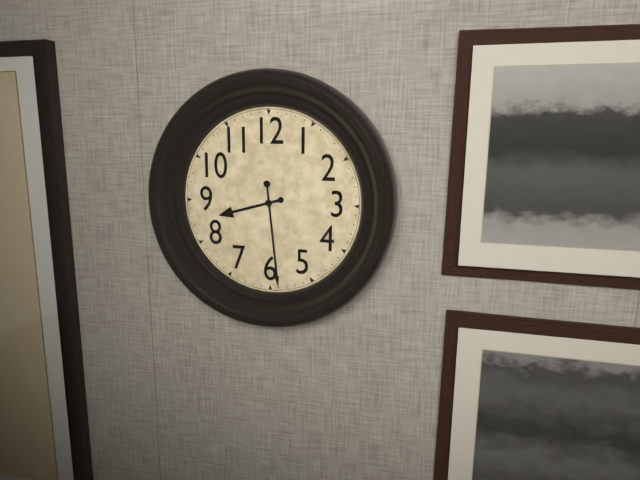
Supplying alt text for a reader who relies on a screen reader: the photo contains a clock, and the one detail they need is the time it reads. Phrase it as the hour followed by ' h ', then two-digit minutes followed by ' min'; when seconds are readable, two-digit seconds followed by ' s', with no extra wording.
8 h 29 min
